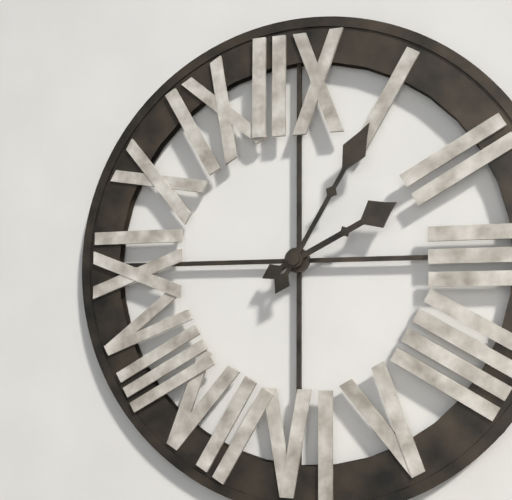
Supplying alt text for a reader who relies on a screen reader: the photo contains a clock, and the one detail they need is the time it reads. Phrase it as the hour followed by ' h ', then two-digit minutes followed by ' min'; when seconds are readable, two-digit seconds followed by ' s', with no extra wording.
2 h 05 min
